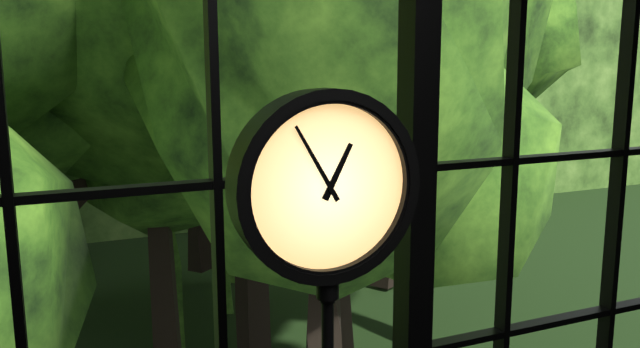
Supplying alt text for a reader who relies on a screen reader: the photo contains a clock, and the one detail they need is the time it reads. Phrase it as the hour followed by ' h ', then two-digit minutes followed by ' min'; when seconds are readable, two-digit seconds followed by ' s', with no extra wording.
12 h 55 min
